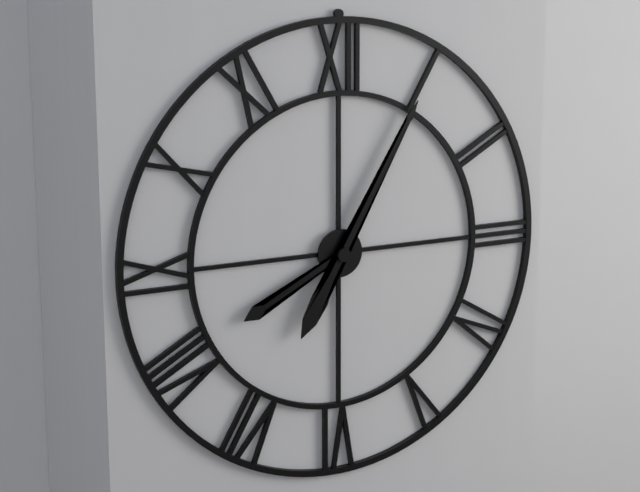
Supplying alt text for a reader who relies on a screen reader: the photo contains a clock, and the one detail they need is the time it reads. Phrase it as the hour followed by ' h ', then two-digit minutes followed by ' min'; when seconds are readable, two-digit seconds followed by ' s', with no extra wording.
8 h 05 min
